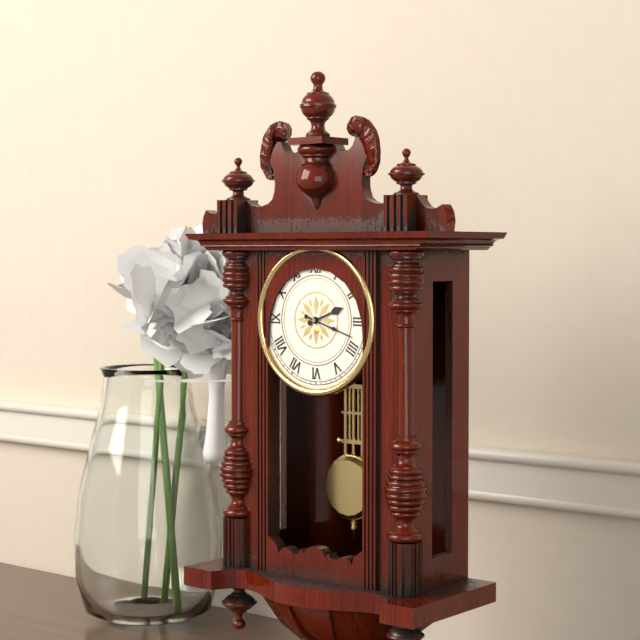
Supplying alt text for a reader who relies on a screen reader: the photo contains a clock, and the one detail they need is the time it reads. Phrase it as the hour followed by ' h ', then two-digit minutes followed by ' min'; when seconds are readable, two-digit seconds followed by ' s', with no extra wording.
2 h 18 min
